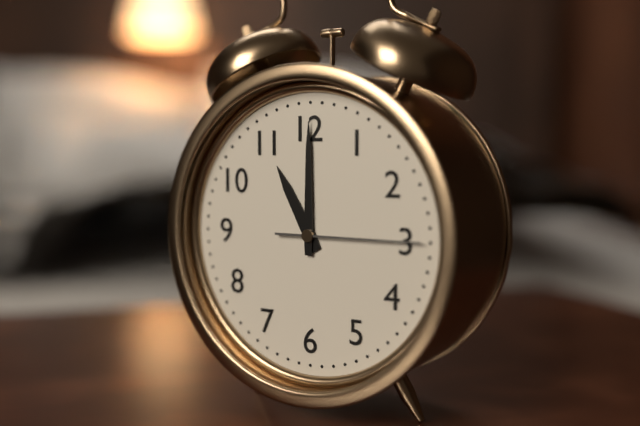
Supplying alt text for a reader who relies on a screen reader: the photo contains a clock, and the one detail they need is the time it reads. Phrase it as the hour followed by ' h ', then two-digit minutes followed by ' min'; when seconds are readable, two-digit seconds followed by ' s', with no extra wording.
11 h 00 min 15 s
